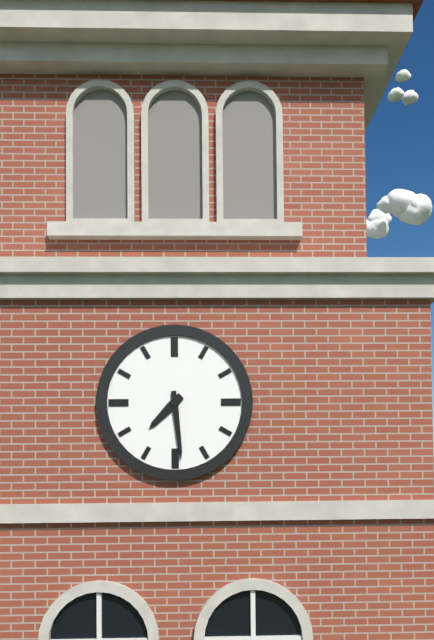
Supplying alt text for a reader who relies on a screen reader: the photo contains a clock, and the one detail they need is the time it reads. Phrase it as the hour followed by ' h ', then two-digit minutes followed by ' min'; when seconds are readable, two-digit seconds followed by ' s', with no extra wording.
7 h 29 min
